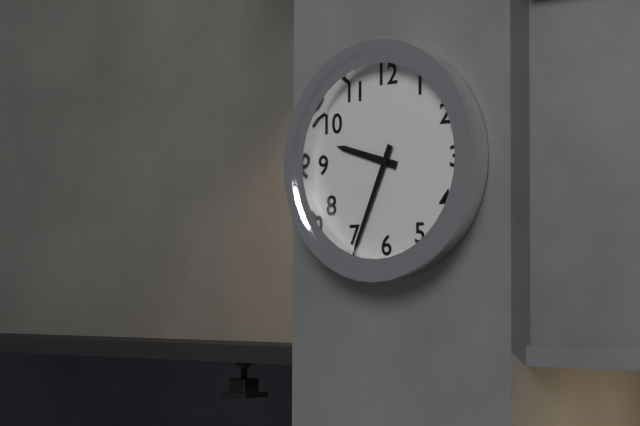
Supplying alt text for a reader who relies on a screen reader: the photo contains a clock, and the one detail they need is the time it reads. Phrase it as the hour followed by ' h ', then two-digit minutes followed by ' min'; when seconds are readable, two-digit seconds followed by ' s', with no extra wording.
9 h 34 min
